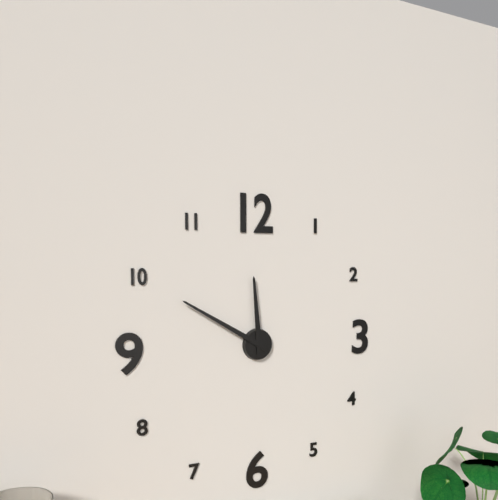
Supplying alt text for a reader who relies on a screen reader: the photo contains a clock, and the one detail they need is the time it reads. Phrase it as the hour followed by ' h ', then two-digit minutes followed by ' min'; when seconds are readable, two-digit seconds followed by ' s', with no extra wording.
11 h 50 min
